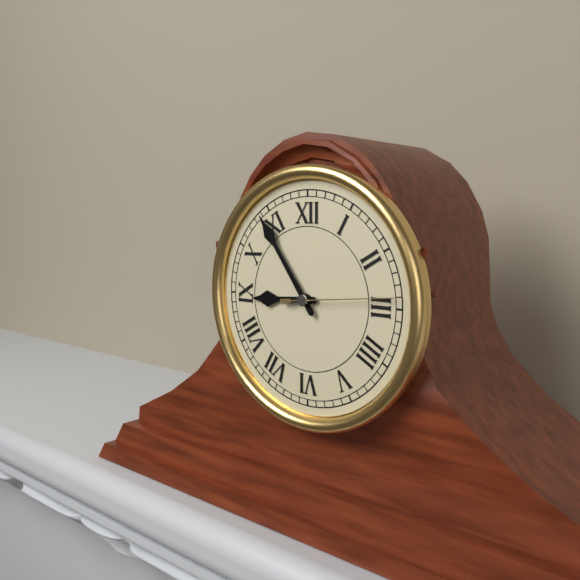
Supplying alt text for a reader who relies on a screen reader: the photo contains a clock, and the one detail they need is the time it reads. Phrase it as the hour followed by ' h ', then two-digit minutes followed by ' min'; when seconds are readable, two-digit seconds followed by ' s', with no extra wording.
8 h 54 min 14 s
